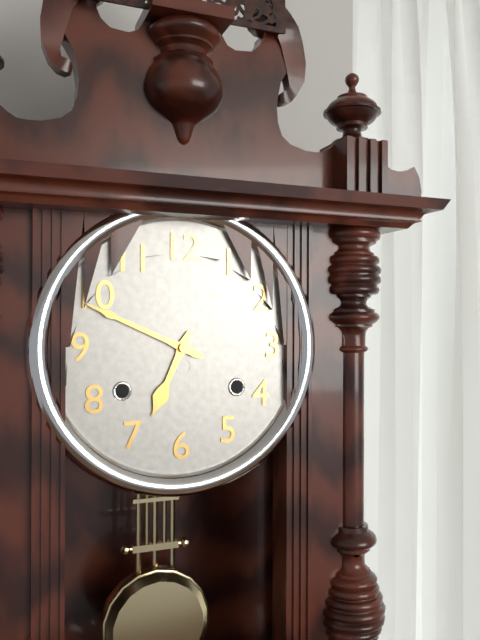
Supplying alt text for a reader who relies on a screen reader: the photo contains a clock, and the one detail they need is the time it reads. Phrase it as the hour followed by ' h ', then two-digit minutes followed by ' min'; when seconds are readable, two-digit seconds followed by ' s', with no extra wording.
6 h 49 min
